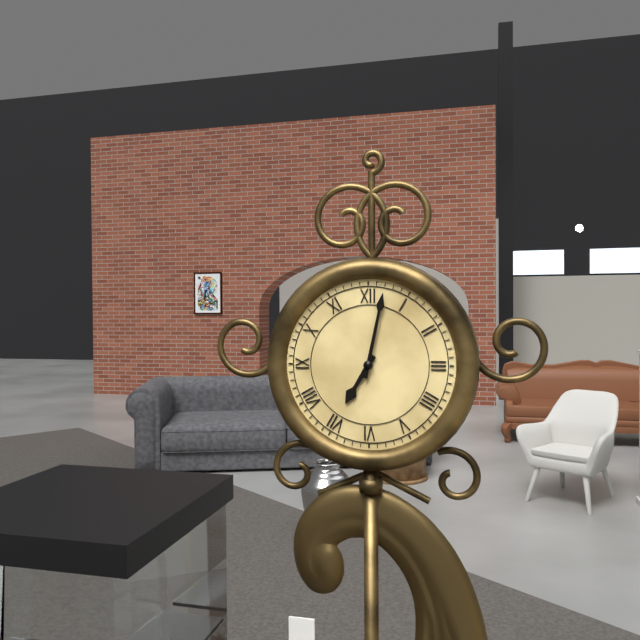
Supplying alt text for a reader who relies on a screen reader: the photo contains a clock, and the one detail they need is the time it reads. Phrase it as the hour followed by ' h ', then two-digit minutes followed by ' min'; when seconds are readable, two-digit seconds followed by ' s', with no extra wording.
7 h 02 min
